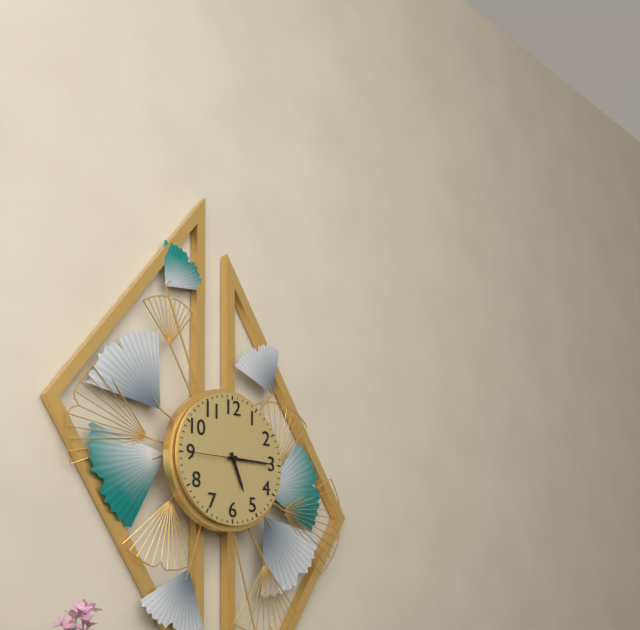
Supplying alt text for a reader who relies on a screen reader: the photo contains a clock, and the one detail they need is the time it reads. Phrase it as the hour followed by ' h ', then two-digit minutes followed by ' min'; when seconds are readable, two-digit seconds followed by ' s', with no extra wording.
5 h 15 min 45 s
